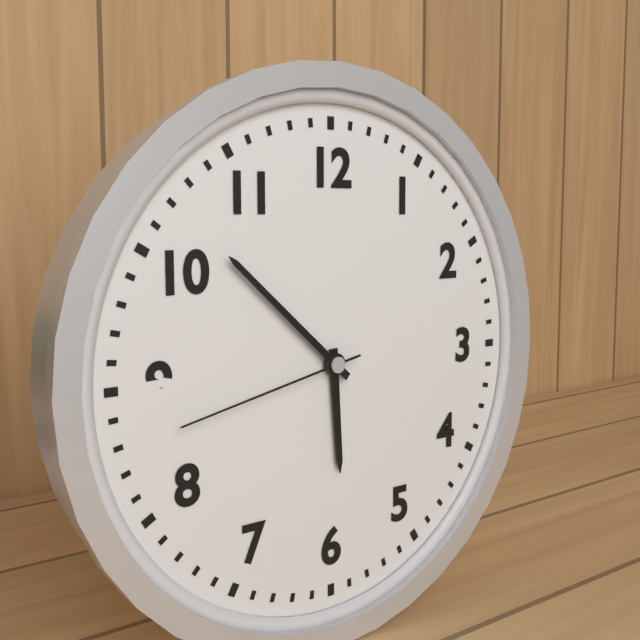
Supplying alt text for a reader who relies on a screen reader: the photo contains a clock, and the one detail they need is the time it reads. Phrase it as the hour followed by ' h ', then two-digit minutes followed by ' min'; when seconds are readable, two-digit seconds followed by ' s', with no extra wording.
5 h 52 min 43 s
